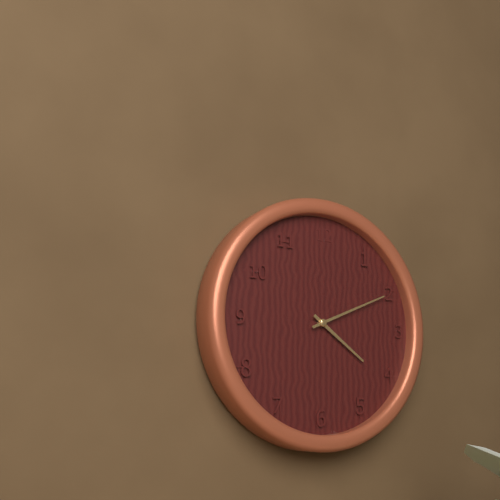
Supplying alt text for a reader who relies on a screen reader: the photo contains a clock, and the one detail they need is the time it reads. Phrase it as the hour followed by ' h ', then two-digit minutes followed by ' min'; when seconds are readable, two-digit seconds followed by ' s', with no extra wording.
4 h 11 min
